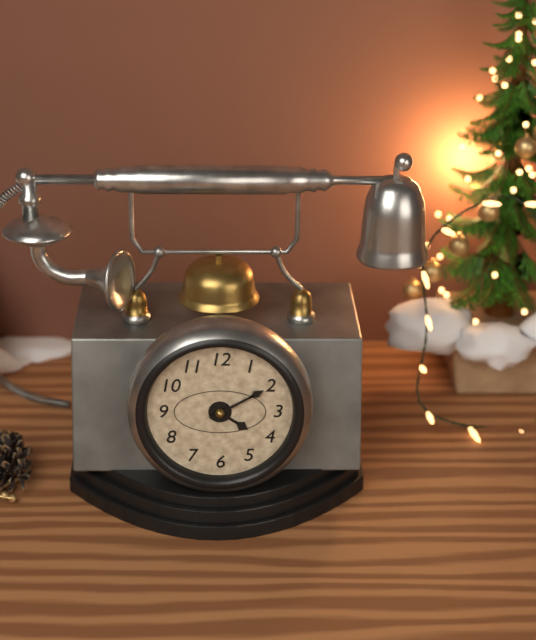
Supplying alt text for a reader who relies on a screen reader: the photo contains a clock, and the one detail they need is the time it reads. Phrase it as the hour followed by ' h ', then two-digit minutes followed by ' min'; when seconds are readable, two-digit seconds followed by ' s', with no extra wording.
4 h 10 min
